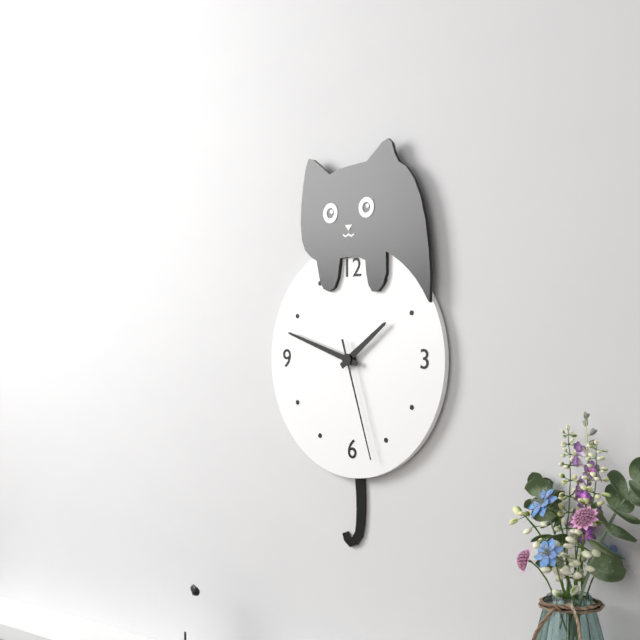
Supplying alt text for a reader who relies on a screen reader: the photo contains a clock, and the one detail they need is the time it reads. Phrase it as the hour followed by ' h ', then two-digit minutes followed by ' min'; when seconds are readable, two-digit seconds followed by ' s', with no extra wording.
1 h 48 min 27 s
